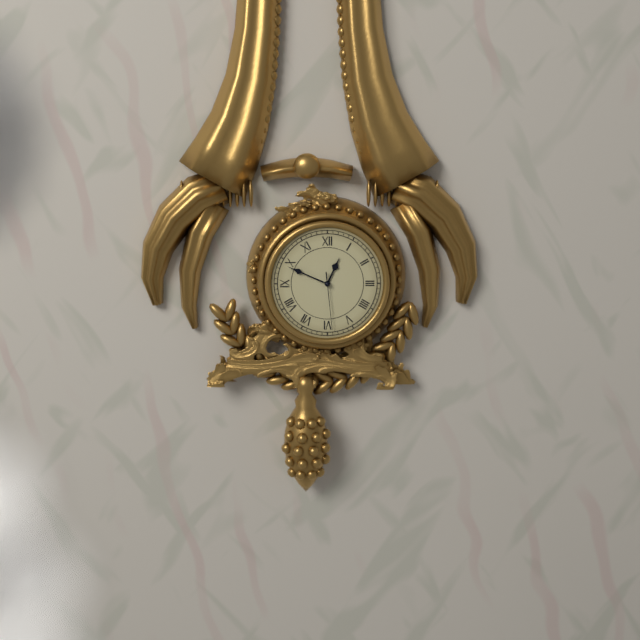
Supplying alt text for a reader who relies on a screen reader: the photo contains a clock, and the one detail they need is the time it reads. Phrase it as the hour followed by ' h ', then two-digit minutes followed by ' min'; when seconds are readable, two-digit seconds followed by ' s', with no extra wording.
12 h 49 min 29 s
